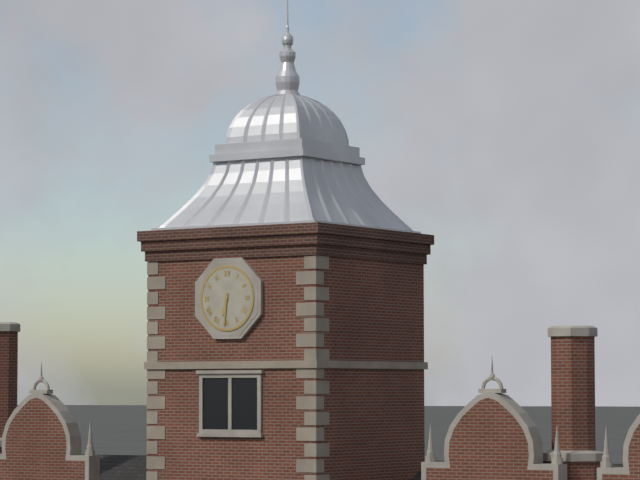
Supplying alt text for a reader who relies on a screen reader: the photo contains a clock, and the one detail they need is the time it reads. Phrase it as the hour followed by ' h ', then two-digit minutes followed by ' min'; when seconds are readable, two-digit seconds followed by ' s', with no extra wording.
6 h 31 min
